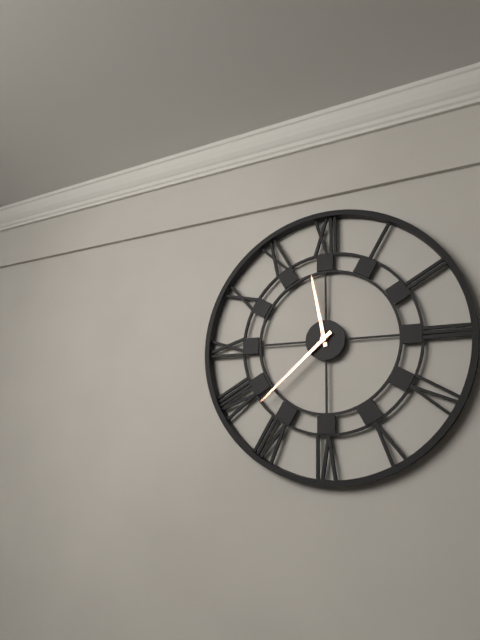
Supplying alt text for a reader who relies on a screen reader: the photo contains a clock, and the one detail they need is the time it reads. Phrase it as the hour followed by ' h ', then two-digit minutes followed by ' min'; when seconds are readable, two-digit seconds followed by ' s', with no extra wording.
11 h 38 min
